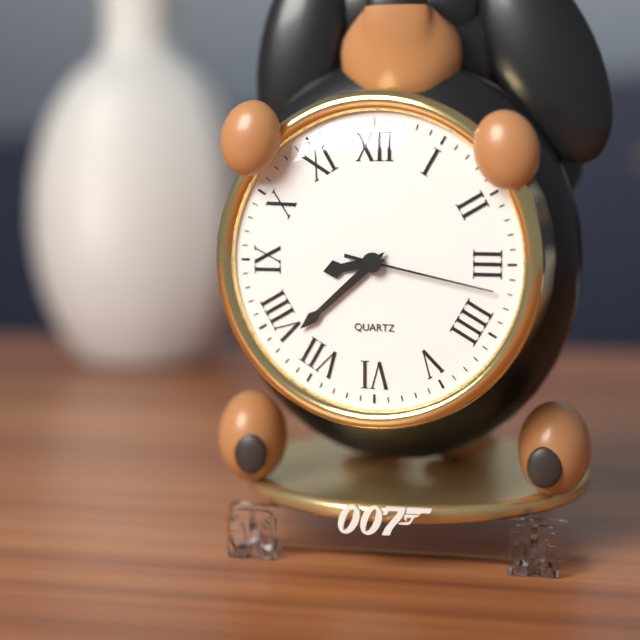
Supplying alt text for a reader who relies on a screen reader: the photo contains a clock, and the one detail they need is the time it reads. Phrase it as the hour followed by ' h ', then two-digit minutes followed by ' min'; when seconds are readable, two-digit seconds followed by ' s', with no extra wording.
8 h 38 min 17 s
